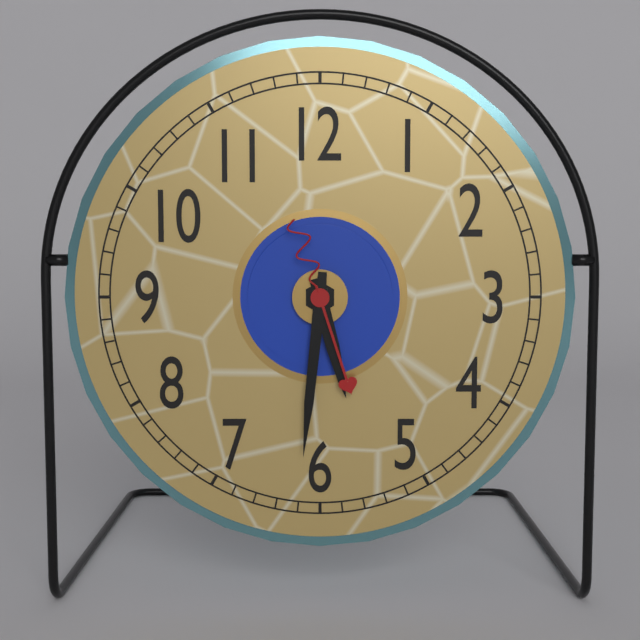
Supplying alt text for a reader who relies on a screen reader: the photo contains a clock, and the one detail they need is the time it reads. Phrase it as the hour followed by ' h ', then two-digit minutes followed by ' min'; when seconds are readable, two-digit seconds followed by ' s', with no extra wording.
5 h 31 min 27 s
